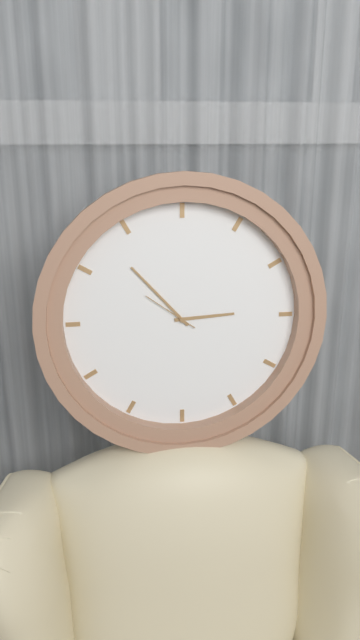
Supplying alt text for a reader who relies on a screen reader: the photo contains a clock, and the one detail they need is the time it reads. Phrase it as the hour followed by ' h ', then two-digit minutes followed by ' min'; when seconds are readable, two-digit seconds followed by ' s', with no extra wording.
2 h 53 min 51 s
